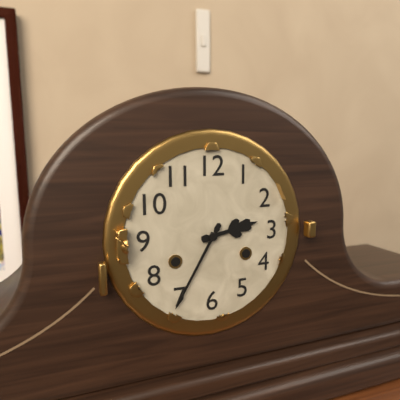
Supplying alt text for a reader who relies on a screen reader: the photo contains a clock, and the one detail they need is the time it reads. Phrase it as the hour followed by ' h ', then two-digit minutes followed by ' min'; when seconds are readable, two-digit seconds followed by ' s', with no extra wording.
2 h 35 min
